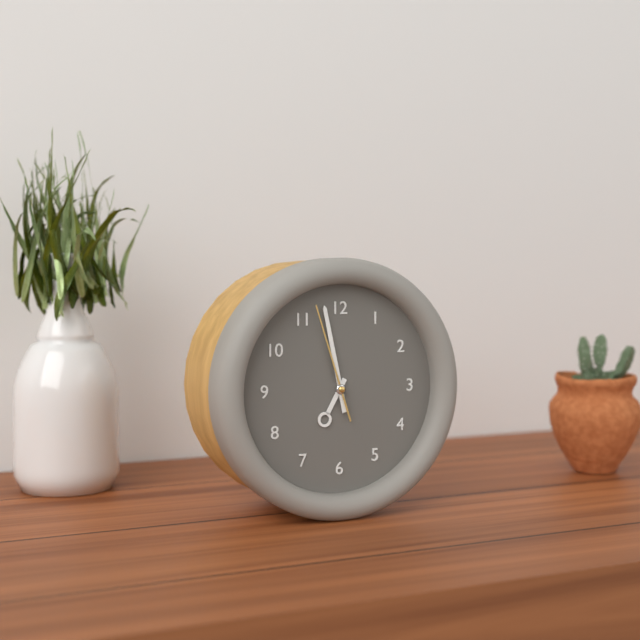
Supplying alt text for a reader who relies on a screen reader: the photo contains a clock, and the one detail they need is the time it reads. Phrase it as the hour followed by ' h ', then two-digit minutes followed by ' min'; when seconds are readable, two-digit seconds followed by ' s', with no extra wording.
6 h 58 min 57 s
